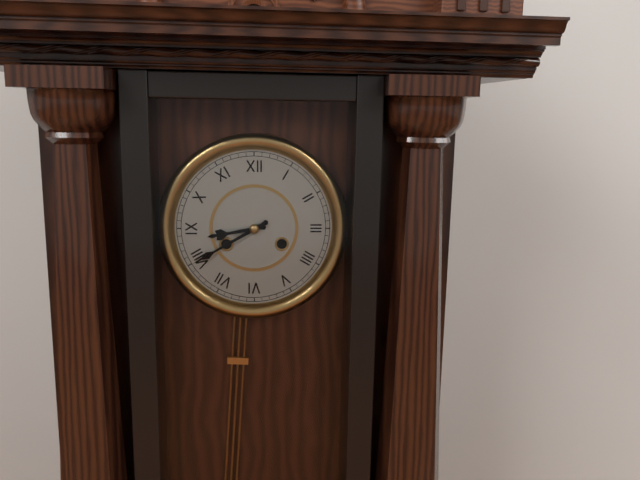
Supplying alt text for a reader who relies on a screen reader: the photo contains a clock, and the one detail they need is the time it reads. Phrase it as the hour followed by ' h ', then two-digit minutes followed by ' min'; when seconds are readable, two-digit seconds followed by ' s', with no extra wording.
8 h 40 min
